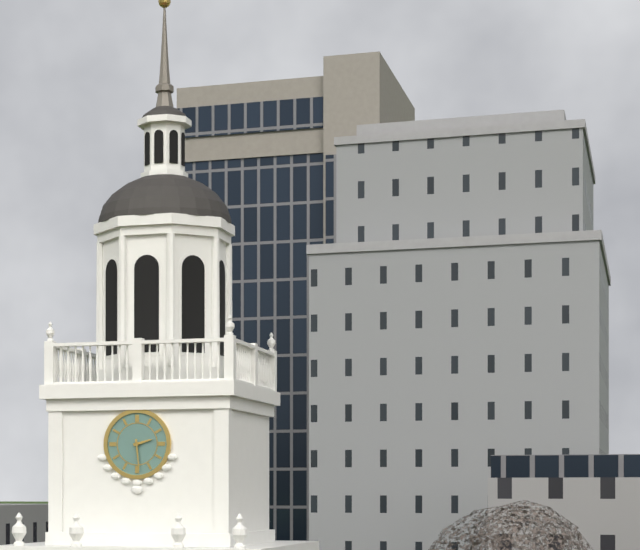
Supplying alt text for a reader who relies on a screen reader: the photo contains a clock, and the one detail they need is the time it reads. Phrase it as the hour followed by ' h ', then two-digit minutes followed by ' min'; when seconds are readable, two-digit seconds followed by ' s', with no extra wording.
2 h 29 min
